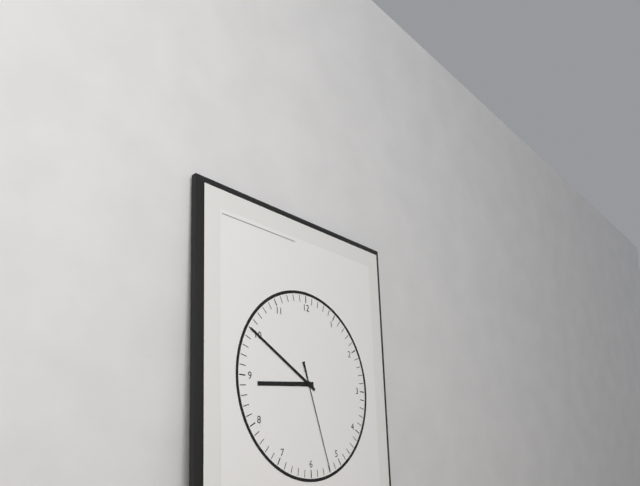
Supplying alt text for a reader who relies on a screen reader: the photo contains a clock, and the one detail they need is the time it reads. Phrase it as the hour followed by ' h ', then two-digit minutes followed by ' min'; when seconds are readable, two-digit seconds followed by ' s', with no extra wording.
8 h 50 min 27 s
